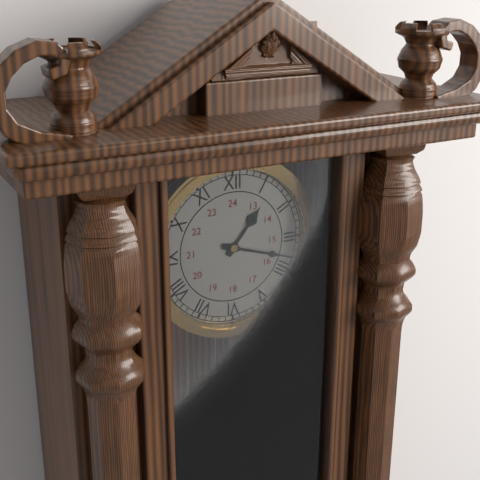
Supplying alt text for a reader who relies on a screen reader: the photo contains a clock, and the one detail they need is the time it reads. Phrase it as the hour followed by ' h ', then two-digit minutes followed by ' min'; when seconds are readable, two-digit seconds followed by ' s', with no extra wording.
1 h 18 min
